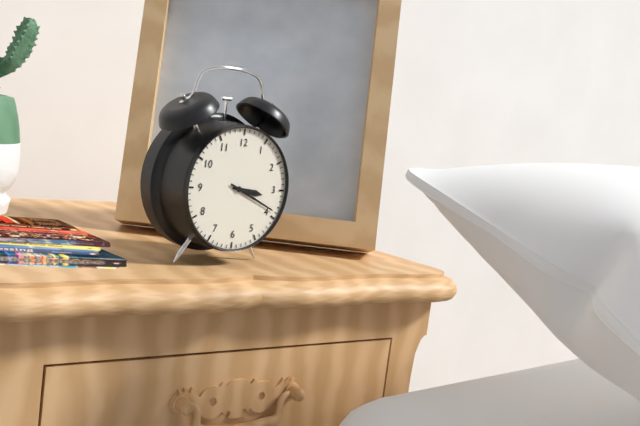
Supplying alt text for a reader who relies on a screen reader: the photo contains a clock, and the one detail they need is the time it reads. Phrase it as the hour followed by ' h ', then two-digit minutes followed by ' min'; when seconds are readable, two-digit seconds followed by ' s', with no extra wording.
3 h 19 min
